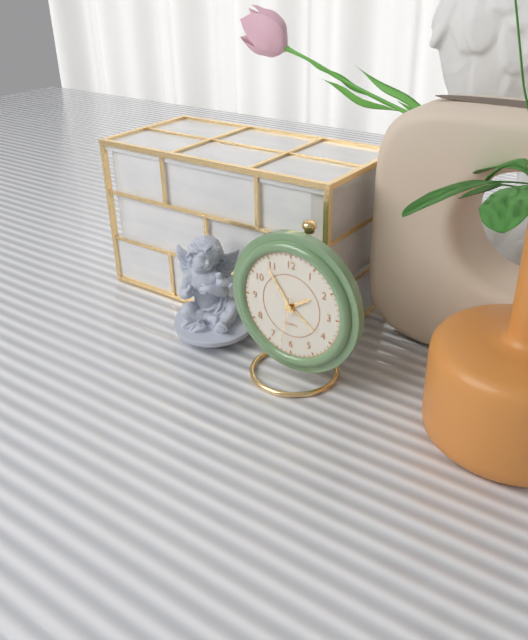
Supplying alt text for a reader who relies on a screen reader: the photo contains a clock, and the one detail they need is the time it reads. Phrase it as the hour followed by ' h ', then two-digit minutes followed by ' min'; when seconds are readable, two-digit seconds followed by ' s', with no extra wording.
1 h 54 min 32 s
